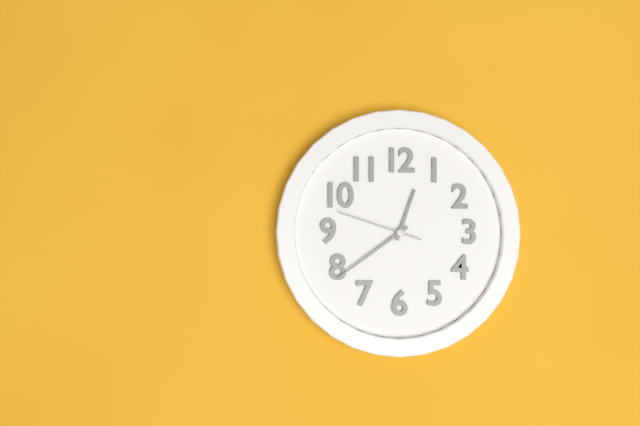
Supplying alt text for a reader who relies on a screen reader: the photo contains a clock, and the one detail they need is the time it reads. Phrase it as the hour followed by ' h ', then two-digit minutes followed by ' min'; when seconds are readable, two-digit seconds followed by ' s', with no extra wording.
12 h 39 min 48 s
